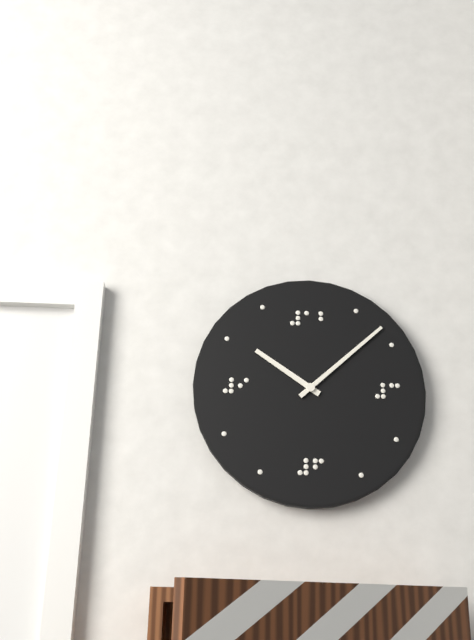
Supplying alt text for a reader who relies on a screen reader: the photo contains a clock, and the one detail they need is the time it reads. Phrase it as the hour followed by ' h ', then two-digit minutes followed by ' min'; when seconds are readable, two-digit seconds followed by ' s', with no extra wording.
10 h 08 min
